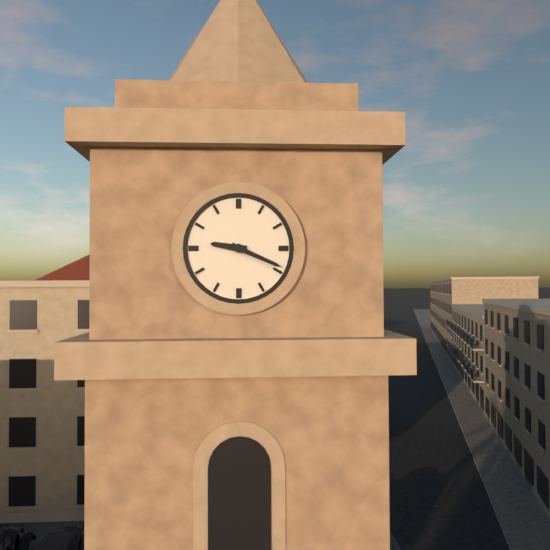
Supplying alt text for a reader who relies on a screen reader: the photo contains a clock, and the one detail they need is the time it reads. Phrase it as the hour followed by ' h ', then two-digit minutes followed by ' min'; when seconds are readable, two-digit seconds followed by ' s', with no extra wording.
9 h 19 min
